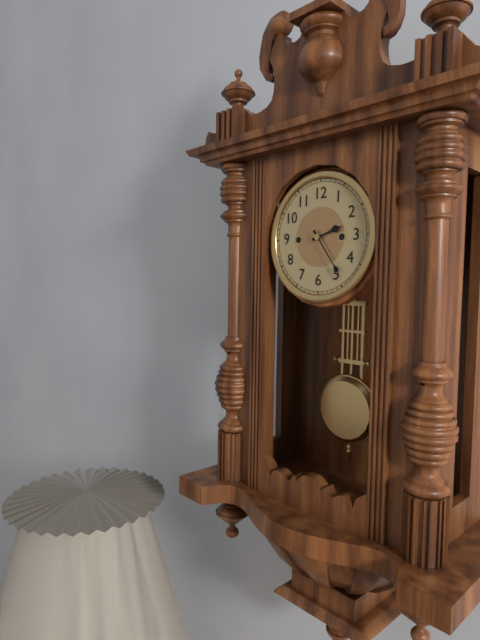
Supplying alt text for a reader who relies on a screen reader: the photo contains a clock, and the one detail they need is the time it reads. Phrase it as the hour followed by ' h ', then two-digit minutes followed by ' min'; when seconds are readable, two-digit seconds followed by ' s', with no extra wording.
2 h 24 min
